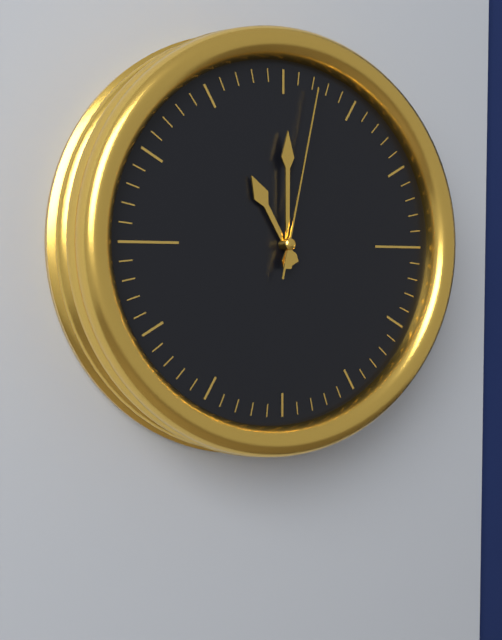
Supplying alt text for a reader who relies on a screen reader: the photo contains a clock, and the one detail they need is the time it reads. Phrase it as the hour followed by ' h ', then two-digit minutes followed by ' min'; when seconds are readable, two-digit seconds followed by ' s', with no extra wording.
11 h 00 min 02 s
